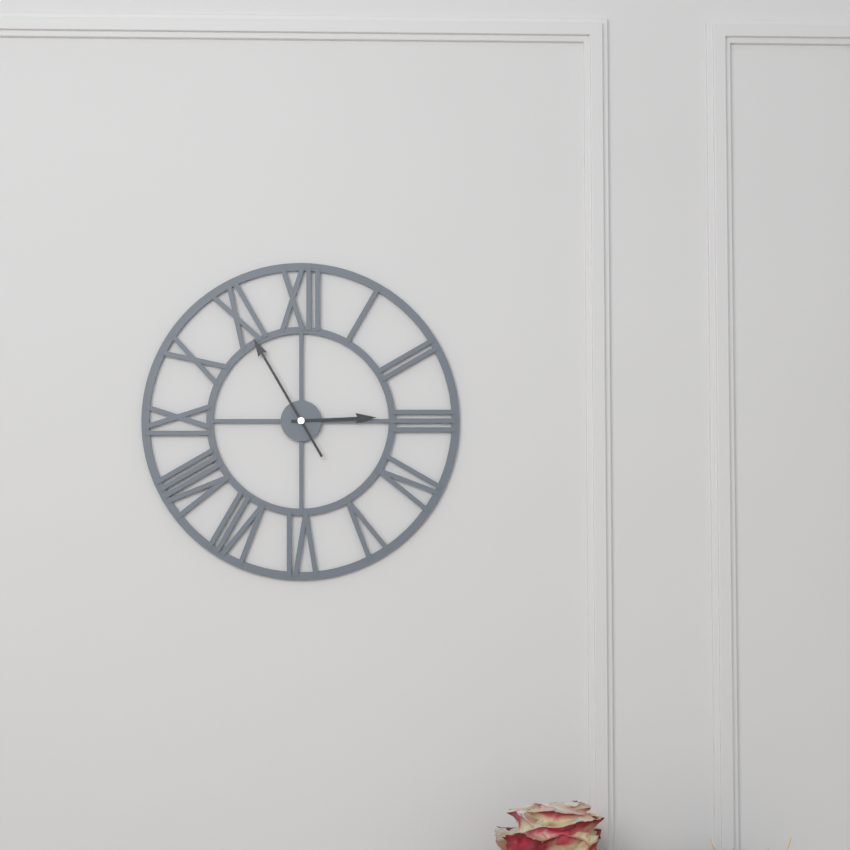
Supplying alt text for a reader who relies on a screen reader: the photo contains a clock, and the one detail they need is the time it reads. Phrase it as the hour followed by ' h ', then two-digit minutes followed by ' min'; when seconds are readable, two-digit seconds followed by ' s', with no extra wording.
2 h 55 min
